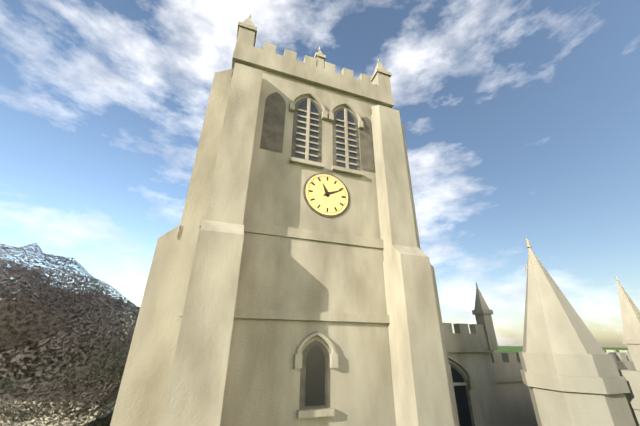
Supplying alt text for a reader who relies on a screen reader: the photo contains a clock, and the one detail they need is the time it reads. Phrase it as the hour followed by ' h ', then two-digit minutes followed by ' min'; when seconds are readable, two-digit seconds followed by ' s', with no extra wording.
11 h 11 min
